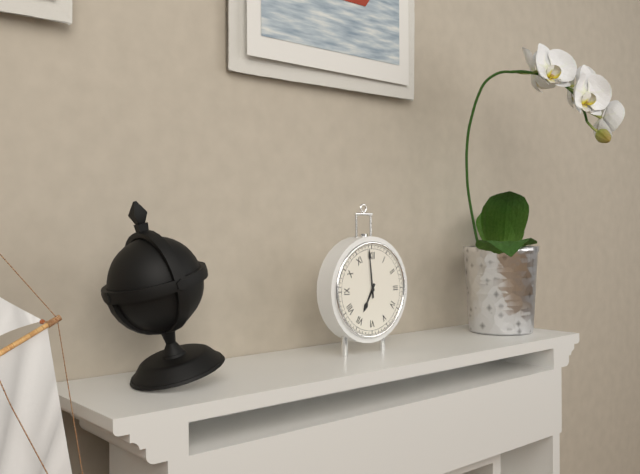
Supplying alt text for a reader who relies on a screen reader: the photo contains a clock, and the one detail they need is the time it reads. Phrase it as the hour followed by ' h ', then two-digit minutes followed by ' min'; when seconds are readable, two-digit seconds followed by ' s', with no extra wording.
6 h 59 min
